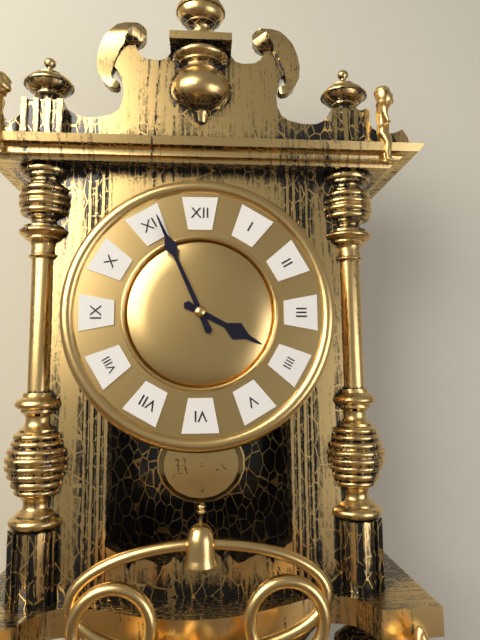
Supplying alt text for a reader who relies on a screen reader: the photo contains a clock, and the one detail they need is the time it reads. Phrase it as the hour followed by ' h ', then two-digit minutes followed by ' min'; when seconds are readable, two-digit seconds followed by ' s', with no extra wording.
3 h 56 min
